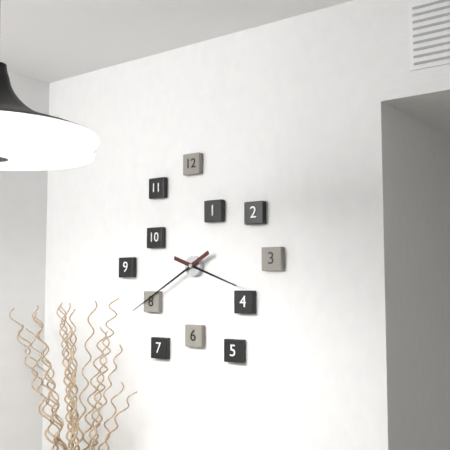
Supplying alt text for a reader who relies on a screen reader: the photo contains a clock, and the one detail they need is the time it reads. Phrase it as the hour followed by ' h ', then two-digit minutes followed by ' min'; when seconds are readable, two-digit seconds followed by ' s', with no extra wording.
3 h 40 min
